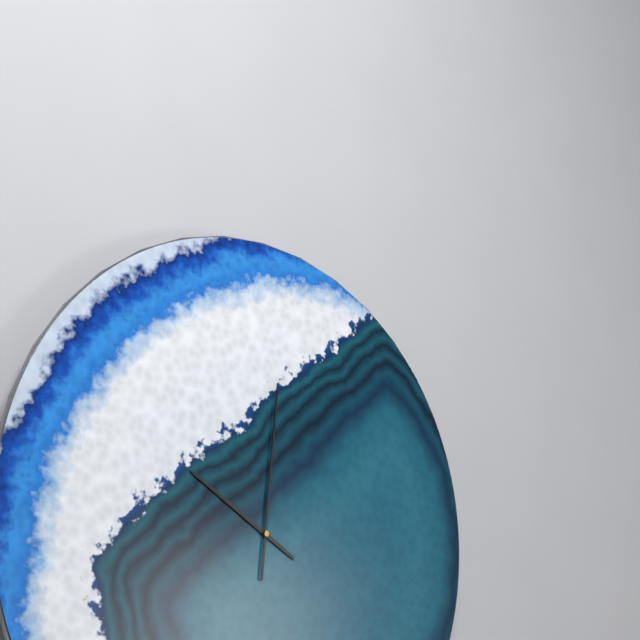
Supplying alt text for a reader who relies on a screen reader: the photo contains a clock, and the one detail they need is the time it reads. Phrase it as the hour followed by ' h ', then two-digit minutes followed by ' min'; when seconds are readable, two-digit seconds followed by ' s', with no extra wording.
10 h 01 min
